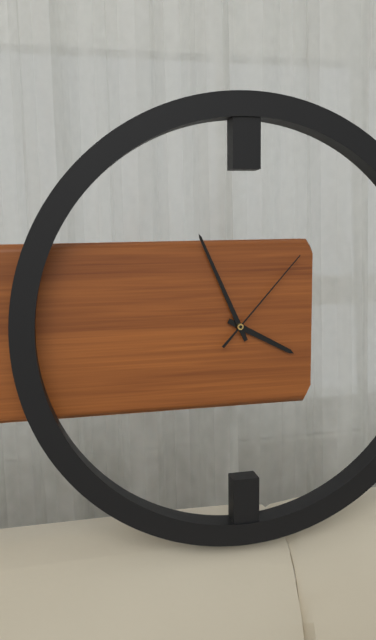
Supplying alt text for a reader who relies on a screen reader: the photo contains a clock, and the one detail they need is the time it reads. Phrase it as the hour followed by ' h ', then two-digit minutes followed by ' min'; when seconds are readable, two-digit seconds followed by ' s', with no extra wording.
3 h 56 min 07 s
